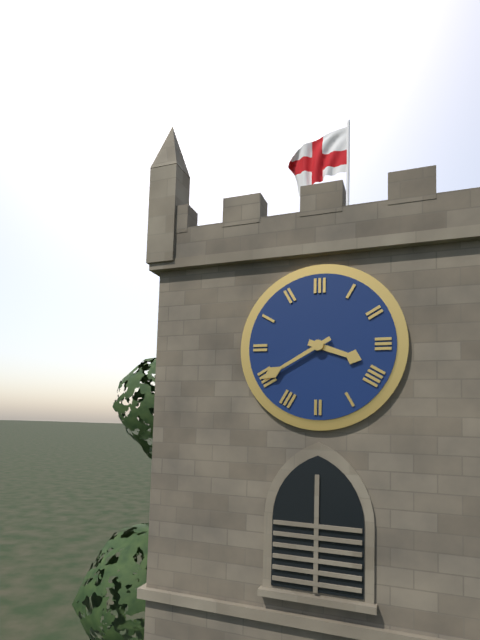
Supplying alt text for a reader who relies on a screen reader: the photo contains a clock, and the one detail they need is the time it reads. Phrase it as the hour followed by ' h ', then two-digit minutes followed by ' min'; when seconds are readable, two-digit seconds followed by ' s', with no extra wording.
3 h 40 min
